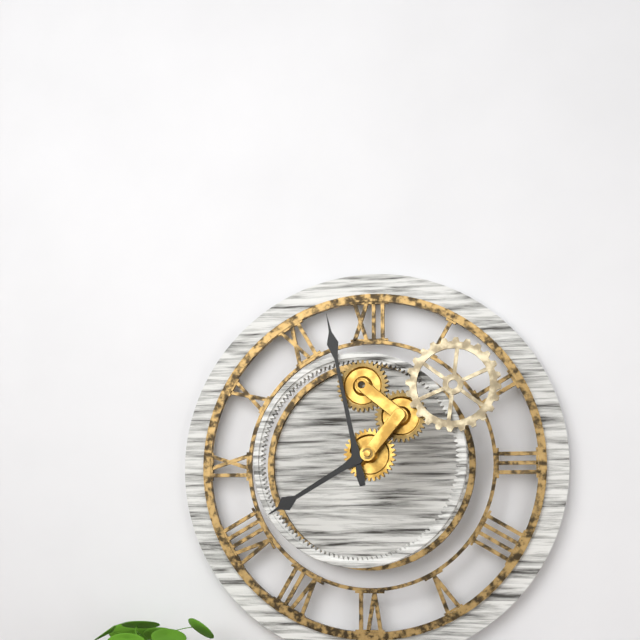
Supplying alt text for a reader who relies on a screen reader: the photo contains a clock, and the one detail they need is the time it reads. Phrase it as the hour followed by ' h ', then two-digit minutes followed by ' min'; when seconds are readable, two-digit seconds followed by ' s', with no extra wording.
7 h 58 min
